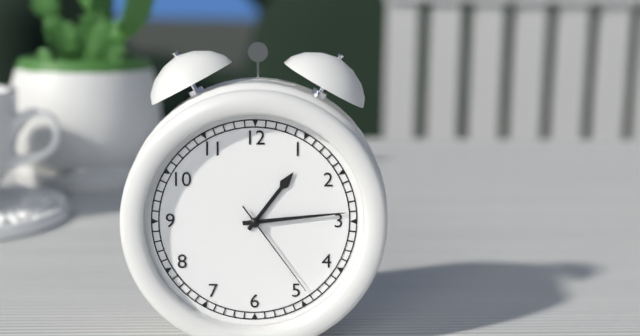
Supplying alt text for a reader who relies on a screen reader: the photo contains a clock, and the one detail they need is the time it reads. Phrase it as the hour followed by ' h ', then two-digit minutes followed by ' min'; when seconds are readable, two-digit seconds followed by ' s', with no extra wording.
1 h 14 min 24 s
